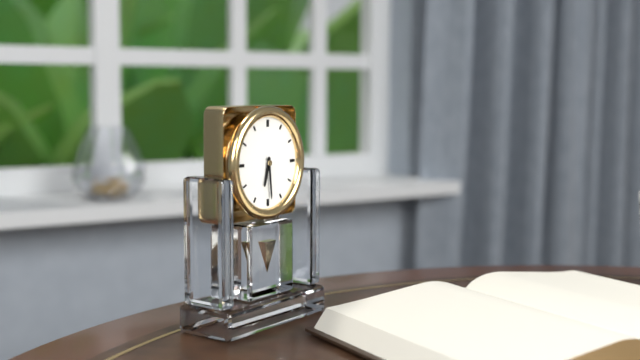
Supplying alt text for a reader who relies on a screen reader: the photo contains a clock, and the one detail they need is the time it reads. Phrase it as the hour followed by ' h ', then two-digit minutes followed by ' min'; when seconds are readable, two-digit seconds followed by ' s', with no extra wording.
6 h 29 min
